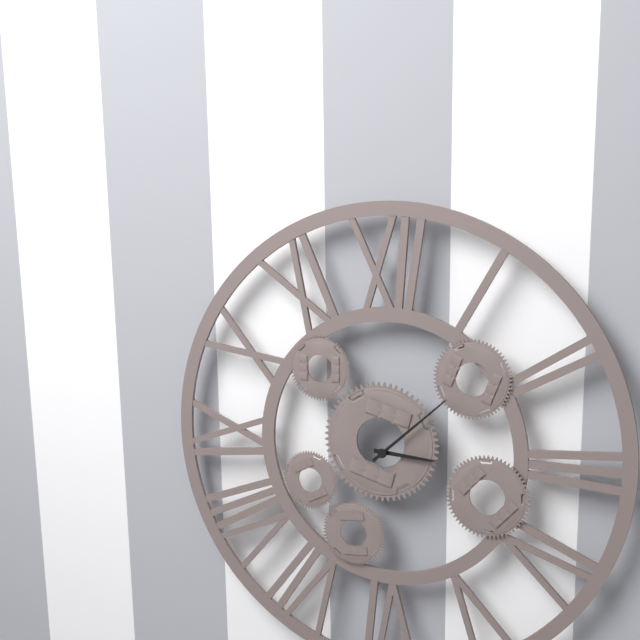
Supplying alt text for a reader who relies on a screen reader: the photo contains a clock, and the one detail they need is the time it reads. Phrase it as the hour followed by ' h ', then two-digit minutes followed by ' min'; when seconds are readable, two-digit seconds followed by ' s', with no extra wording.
3 h 08 min
